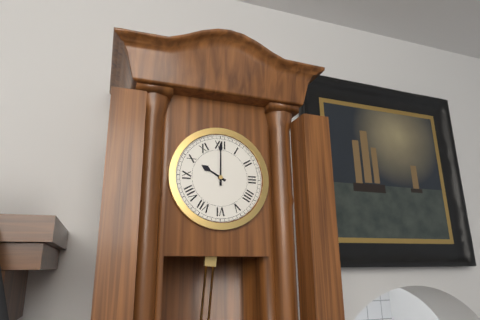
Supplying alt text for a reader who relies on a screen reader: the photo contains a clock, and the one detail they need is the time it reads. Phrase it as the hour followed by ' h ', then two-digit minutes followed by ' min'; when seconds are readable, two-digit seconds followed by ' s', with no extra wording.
10 h 00 min
